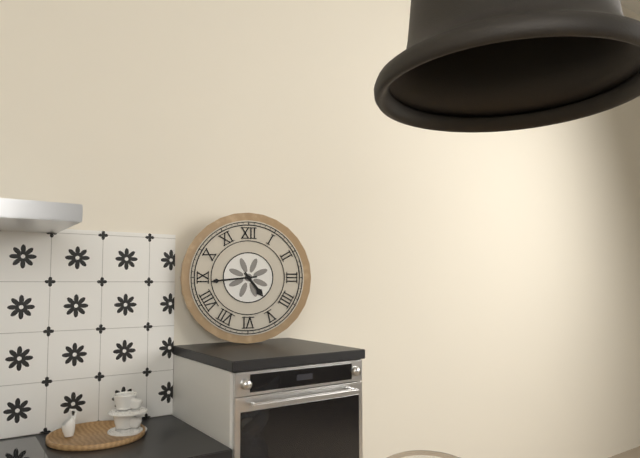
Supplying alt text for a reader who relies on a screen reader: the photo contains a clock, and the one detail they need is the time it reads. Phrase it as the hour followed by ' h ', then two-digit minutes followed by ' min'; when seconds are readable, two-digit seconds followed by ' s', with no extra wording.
4 h 44 min
